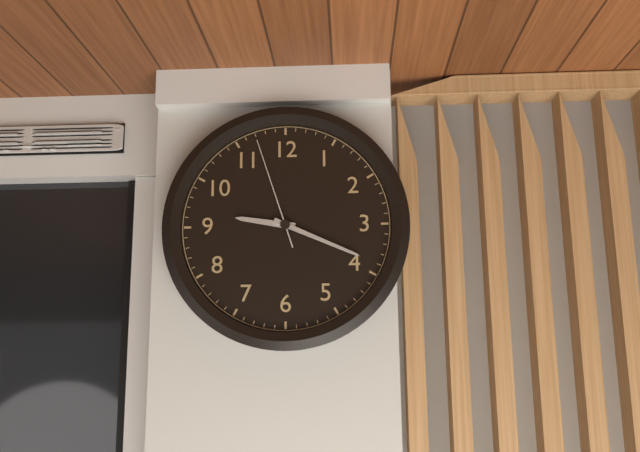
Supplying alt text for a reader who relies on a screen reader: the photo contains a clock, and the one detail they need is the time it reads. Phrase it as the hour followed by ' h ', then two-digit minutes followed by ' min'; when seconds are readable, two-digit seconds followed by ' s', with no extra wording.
9 h 19 min 57 s
